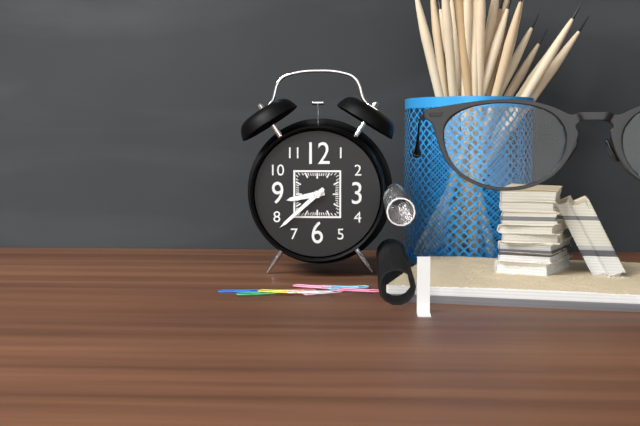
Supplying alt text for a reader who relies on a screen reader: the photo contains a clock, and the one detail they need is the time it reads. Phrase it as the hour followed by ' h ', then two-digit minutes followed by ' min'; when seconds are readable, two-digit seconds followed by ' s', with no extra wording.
8 h 38 min
